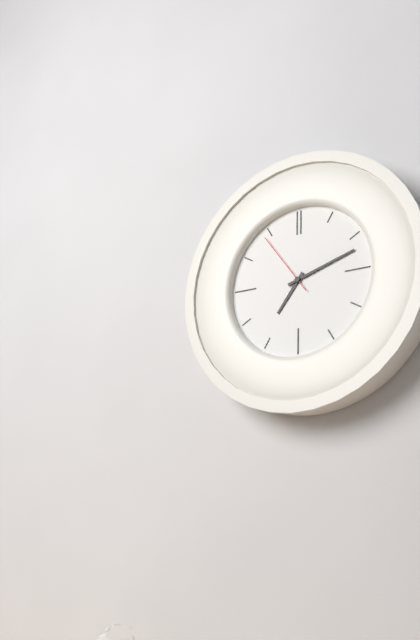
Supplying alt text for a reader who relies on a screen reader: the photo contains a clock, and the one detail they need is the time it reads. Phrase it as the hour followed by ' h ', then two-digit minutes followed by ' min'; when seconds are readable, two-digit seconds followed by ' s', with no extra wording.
7 h 12 min 54 s
